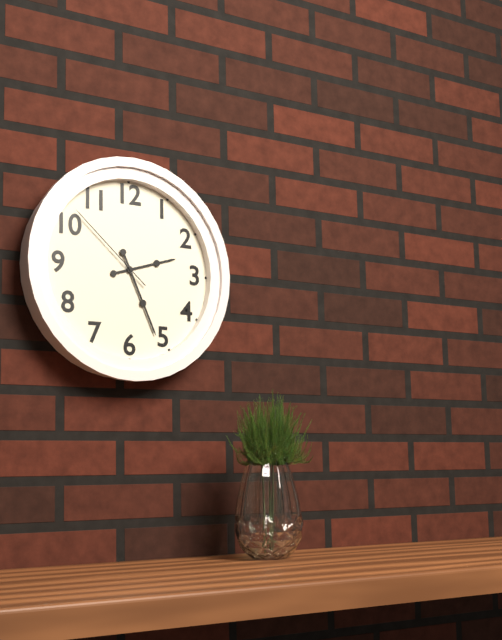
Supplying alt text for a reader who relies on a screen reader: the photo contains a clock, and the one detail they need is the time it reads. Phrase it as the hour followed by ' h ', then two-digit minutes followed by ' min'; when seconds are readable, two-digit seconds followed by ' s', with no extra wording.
2 h 26 min 52 s
